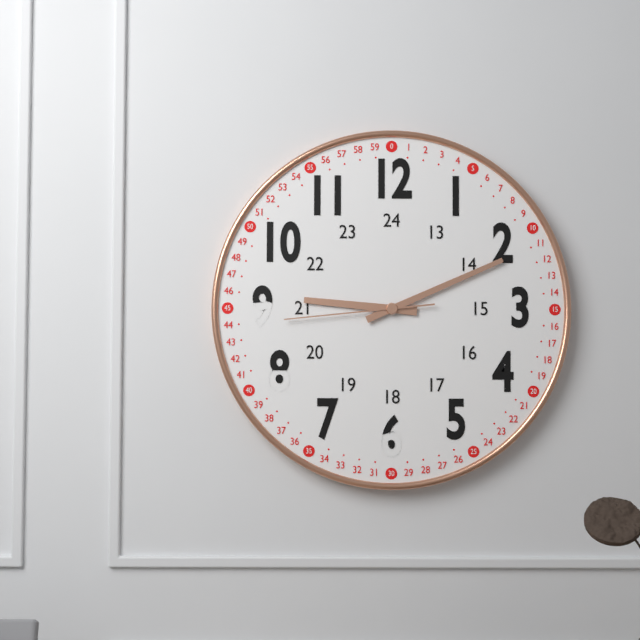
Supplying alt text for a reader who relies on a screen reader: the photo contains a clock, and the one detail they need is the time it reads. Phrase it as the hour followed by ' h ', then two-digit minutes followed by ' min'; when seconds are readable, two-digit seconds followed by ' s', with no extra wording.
9 h 11 min 44 s
